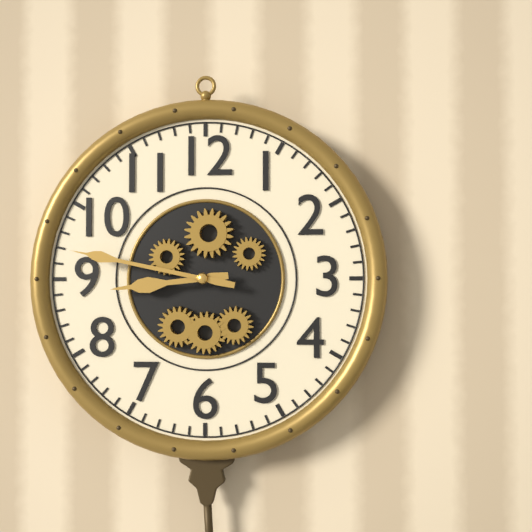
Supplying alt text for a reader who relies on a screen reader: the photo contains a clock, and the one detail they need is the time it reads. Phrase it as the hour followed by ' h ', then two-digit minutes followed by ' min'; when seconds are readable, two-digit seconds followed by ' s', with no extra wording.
8 h 47 min
